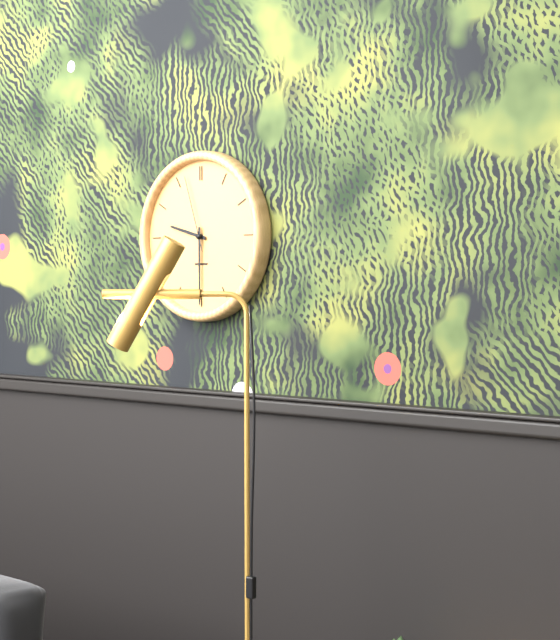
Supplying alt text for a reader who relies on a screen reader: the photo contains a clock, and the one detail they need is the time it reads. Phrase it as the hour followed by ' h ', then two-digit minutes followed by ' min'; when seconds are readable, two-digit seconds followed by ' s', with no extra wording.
9 h 30 min 57 s
